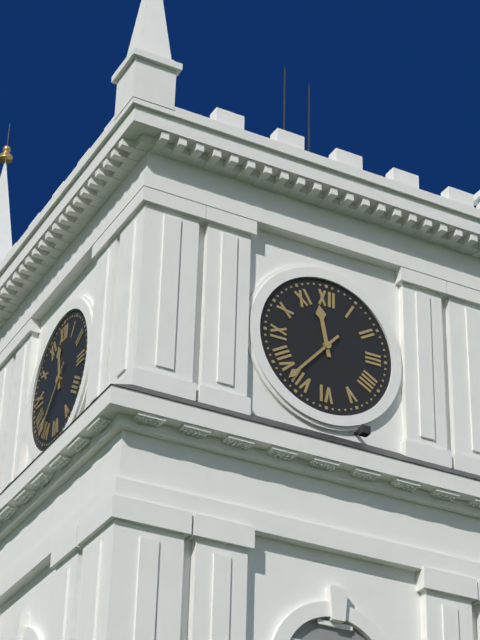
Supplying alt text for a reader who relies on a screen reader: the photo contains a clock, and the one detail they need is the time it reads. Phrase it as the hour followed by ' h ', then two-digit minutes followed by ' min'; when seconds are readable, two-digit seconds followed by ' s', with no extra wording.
11 h 37 min
